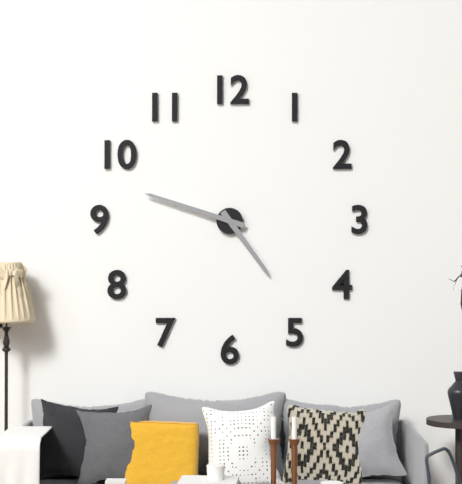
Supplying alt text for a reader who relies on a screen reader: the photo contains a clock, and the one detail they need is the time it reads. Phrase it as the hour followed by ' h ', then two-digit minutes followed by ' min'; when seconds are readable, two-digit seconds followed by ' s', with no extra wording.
4 h 48 min
